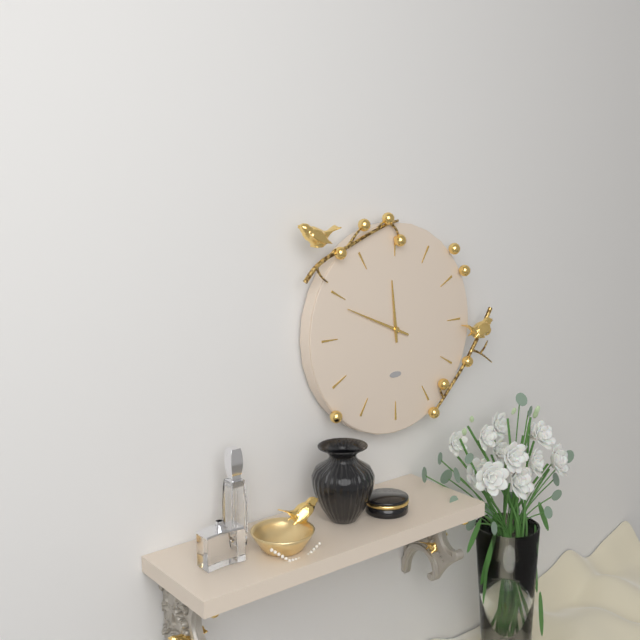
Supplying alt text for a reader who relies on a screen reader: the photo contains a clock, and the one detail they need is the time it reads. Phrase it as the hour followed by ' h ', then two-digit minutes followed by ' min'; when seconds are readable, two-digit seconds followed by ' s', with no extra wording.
11 h 49 min
